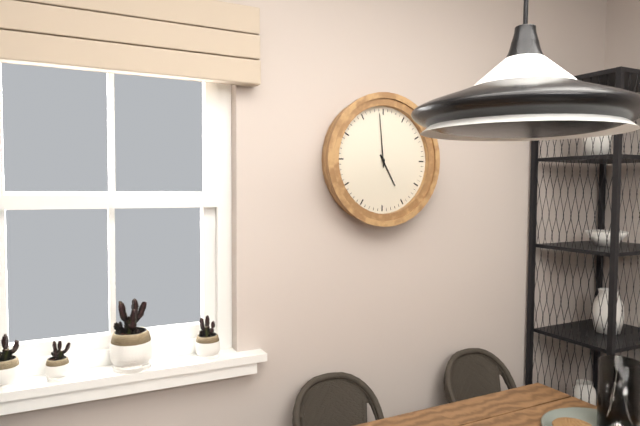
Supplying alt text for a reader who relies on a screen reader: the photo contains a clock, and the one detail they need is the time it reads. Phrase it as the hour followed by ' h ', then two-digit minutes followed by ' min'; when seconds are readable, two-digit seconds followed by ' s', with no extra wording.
4 h 59 min
